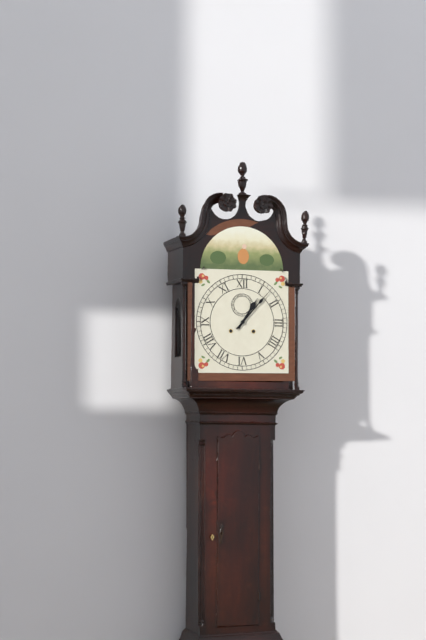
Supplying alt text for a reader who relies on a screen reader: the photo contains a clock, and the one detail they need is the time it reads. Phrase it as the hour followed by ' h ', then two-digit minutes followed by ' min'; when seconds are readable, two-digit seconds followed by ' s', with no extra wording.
1 h 07 min
